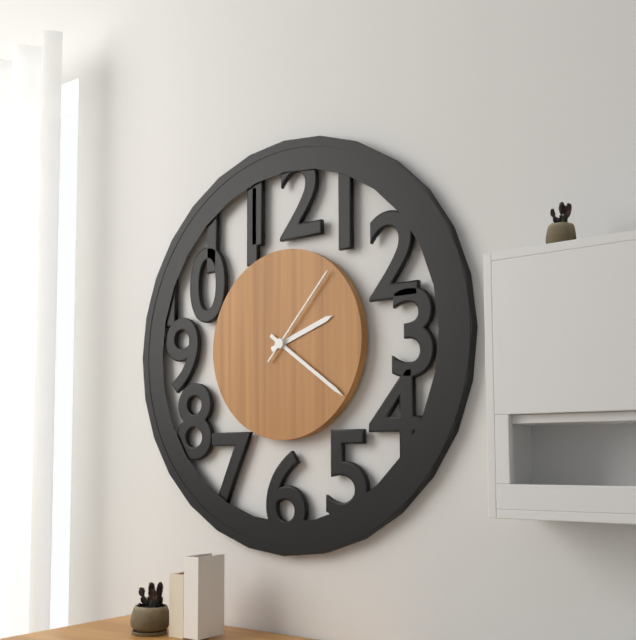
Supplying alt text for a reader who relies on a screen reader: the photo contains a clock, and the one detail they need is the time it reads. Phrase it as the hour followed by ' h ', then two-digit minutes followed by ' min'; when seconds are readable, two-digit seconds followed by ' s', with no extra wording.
2 h 21 min 07 s
